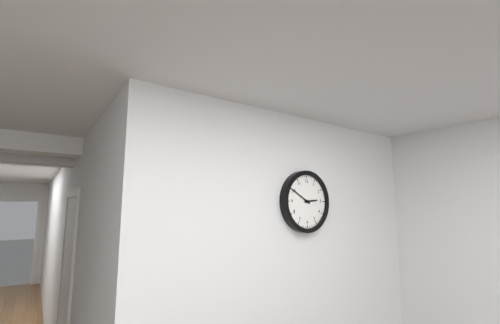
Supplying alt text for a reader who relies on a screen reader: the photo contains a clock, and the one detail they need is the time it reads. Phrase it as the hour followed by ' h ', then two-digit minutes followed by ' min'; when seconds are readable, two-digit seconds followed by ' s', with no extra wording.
2 h 50 min
